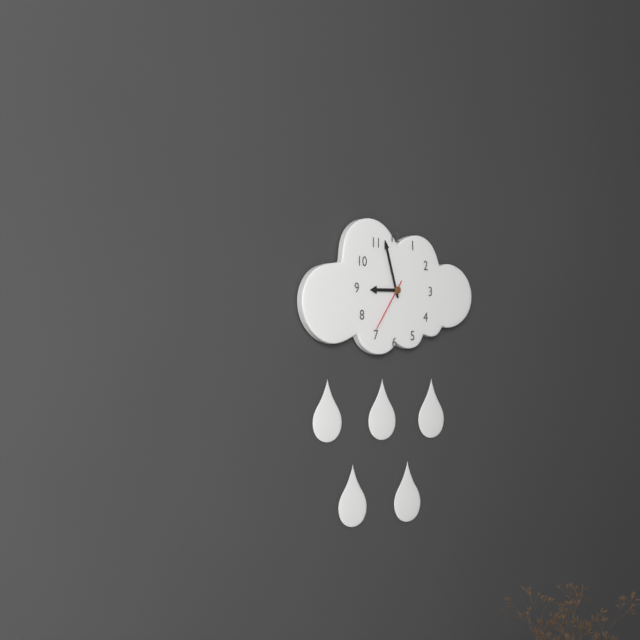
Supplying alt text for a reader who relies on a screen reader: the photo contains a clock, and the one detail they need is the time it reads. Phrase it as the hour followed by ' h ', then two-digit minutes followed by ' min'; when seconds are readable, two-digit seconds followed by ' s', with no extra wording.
8 h 57 min 36 s
